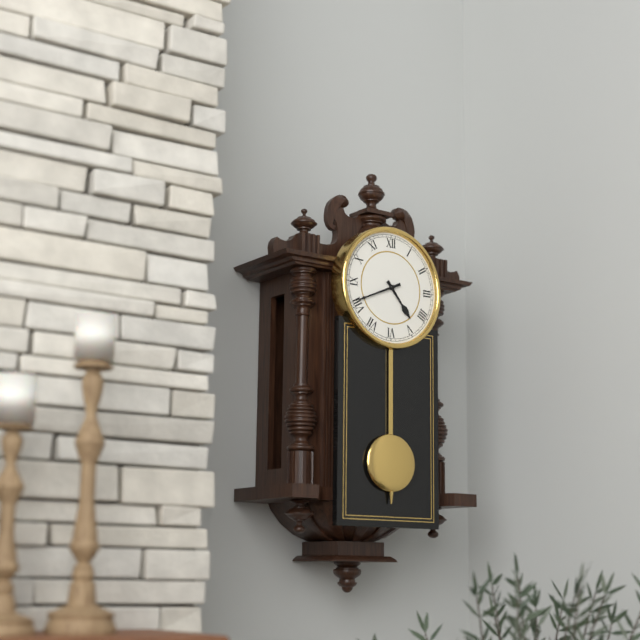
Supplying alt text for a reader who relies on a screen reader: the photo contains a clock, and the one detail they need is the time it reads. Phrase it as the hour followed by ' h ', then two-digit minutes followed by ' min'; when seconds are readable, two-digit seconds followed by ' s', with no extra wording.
4 h 41 min
